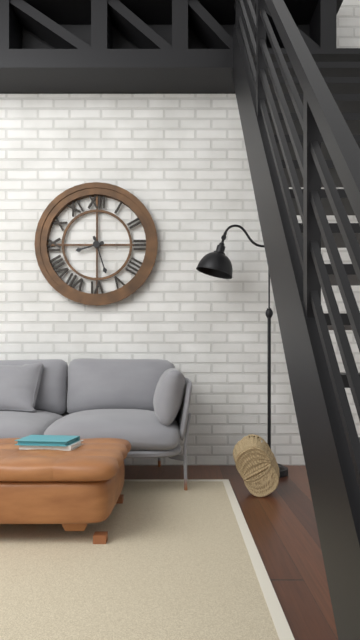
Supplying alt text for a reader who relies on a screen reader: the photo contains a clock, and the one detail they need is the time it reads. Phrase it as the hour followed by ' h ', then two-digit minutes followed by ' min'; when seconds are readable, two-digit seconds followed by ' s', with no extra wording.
8 h 27 min
